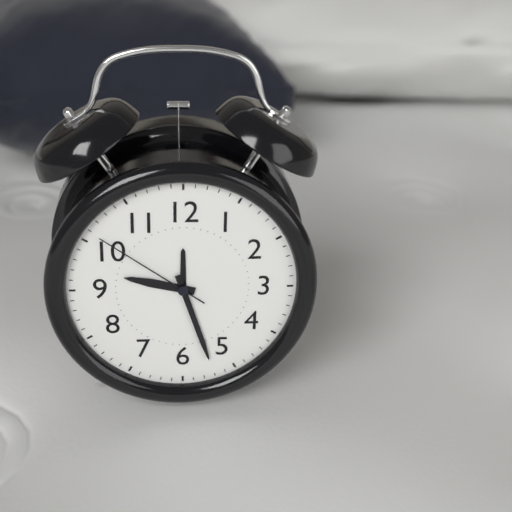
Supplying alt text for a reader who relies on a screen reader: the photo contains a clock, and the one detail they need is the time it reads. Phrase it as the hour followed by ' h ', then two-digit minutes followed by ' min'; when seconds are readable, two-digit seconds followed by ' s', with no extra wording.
9 h 27 min 51 s
